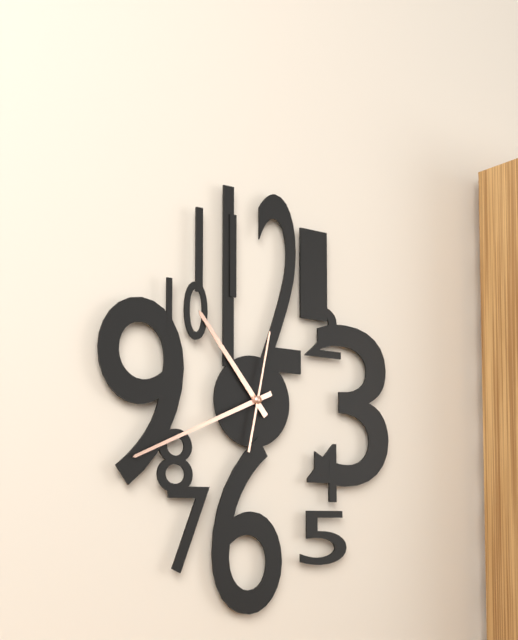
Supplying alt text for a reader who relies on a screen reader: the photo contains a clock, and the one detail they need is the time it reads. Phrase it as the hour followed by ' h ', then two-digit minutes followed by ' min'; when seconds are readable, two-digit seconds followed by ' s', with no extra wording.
10 h 41 min 02 s
